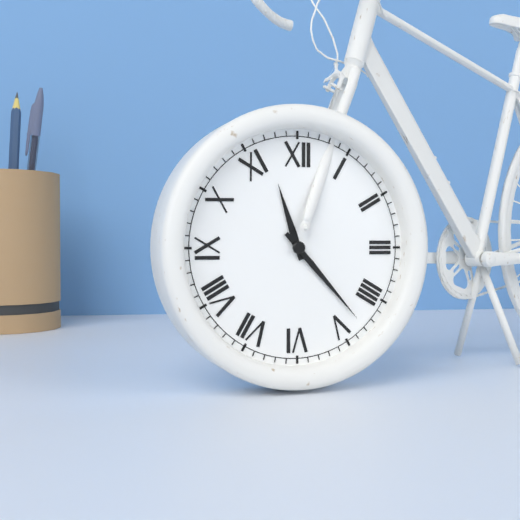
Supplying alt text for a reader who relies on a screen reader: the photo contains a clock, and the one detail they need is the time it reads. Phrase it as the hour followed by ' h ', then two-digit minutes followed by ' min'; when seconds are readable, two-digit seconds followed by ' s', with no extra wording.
11 h 23 min
